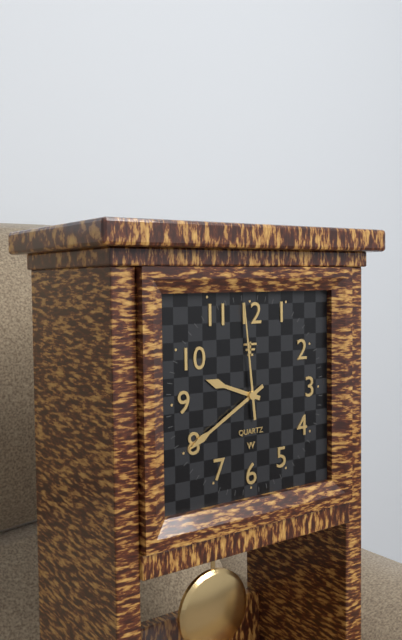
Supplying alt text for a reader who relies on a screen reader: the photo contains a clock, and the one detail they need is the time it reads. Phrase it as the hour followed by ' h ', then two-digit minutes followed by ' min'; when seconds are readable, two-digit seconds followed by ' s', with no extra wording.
9 h 40 min 59 s
